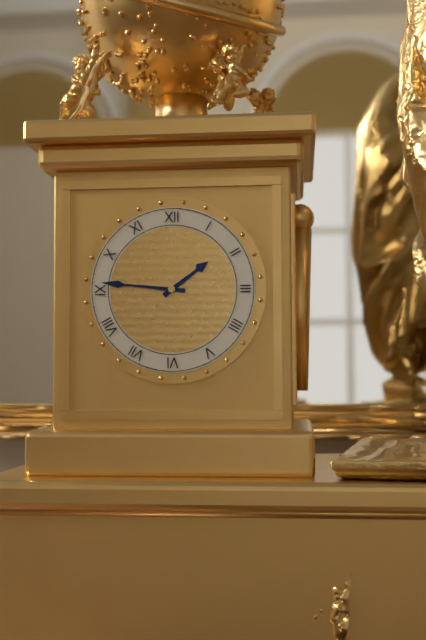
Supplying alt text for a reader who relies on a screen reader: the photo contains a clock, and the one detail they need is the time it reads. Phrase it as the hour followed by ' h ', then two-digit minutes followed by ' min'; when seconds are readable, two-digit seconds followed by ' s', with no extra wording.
1 h 46 min
